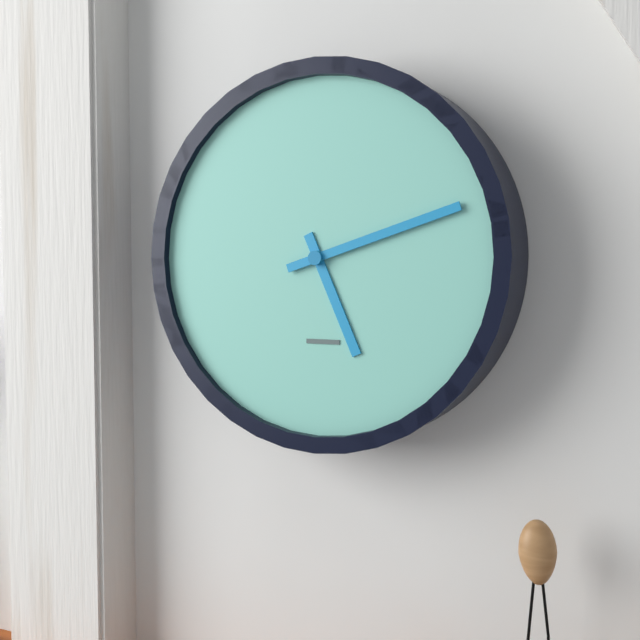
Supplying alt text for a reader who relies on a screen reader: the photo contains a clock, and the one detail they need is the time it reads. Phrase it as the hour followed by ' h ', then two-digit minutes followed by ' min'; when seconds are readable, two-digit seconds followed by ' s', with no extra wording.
5 h 12 min
